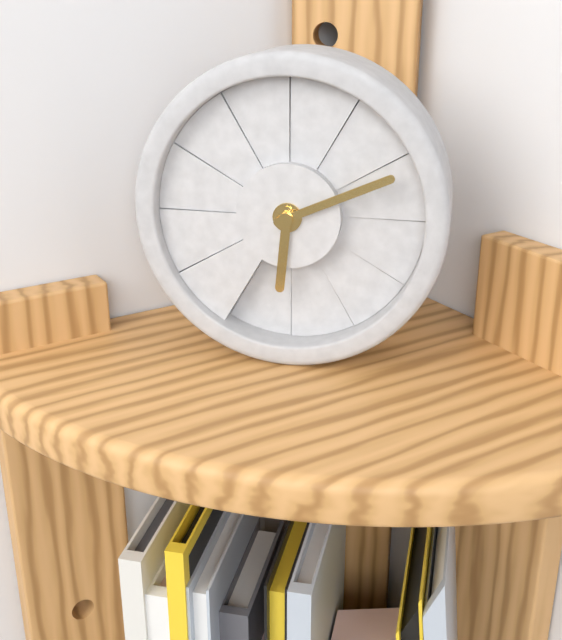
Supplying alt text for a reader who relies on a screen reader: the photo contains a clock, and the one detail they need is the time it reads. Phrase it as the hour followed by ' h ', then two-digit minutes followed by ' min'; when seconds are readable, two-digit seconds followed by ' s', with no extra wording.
6 h 11 min
